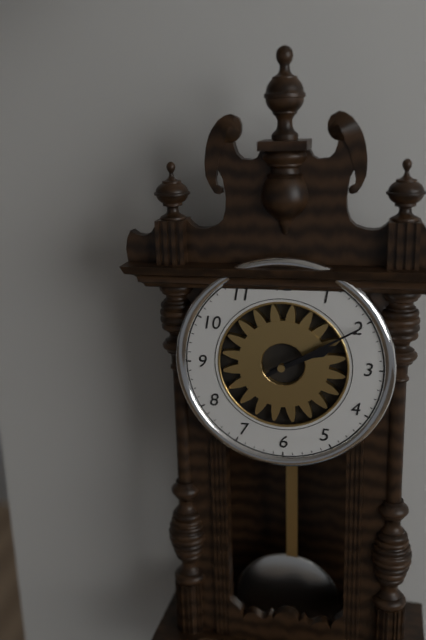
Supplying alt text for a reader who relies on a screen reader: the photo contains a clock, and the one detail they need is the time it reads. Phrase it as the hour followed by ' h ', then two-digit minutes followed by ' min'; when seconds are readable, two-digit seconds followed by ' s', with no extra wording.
2 h 10 min
